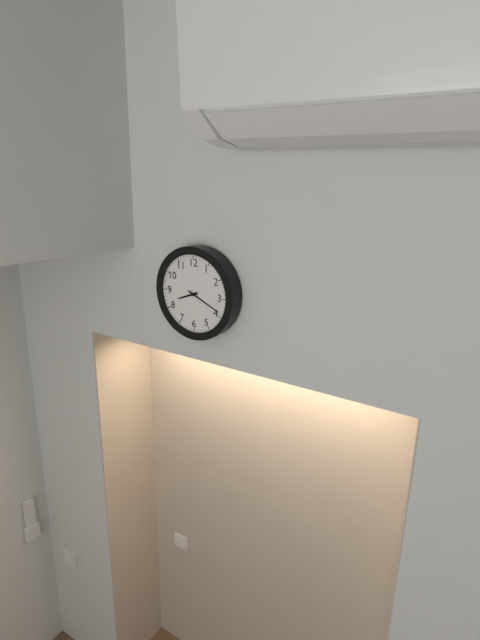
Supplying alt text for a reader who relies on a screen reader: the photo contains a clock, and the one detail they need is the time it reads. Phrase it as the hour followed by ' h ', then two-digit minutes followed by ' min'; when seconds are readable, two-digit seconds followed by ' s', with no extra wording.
8 h 19 min
